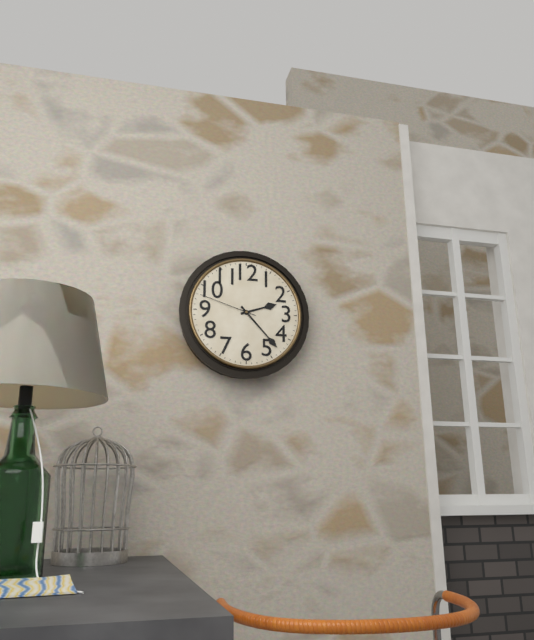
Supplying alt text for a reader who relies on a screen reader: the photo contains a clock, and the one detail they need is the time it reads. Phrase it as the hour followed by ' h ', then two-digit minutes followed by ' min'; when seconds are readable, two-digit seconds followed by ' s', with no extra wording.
2 h 23 min 48 s
